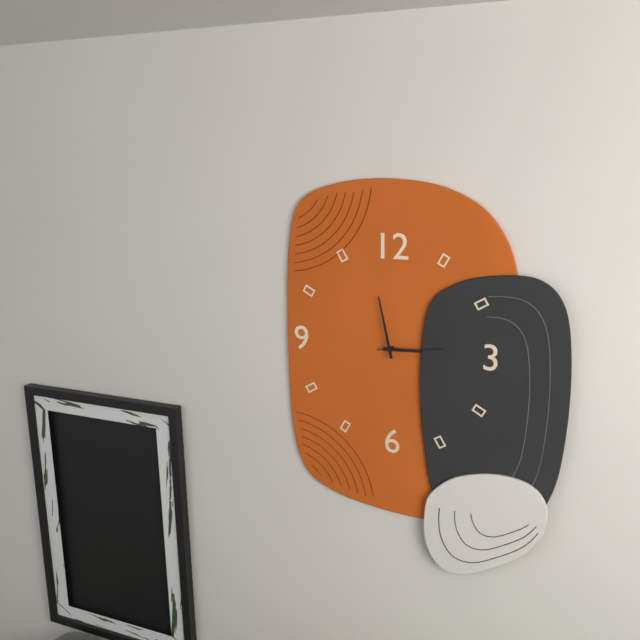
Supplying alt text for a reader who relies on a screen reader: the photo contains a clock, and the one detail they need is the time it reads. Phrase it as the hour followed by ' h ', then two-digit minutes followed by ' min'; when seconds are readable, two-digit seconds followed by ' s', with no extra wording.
2 h 58 min 14 s
